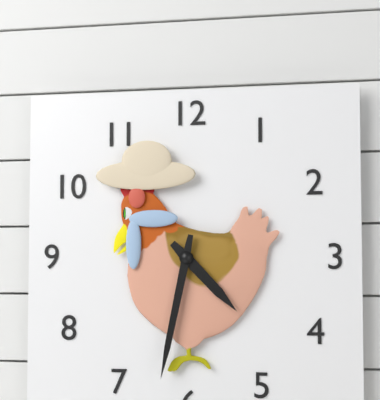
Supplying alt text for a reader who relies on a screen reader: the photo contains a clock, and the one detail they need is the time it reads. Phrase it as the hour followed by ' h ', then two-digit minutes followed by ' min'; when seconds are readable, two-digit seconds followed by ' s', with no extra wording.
4 h 32 min
